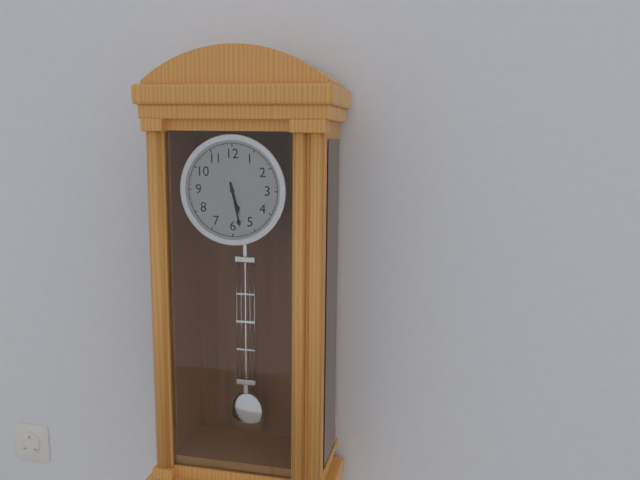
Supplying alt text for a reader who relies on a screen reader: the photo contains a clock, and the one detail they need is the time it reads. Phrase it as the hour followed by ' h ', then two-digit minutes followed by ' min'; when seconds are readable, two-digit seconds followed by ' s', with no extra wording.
5 h 28 min
